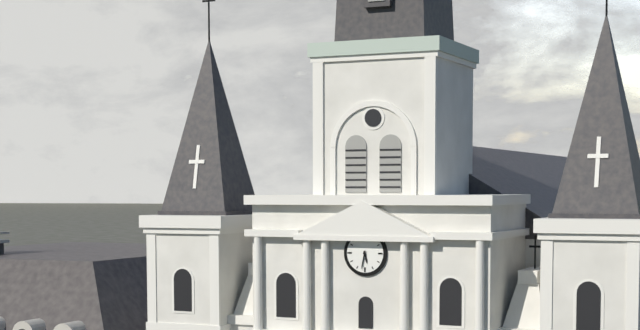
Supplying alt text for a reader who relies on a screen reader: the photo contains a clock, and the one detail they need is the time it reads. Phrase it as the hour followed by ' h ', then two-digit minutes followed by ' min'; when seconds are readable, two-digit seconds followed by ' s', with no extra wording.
5 h 32 min
